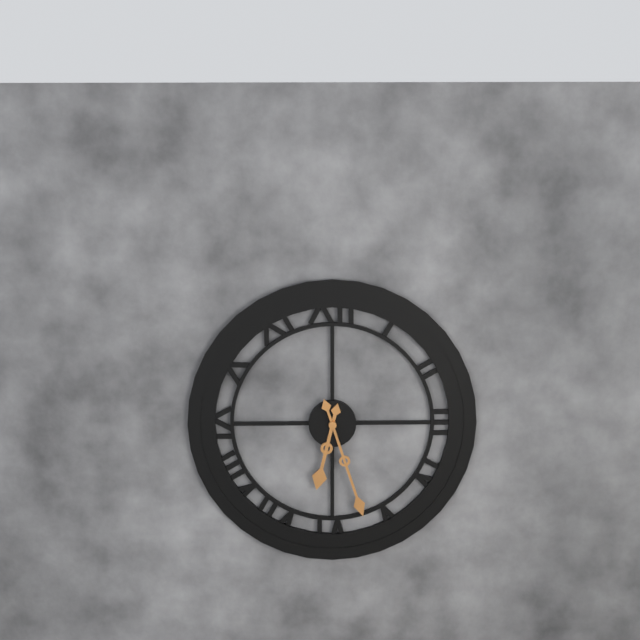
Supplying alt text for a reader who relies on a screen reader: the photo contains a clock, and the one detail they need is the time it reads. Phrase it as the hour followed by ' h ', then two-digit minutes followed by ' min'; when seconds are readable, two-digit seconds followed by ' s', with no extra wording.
6 h 27 min
